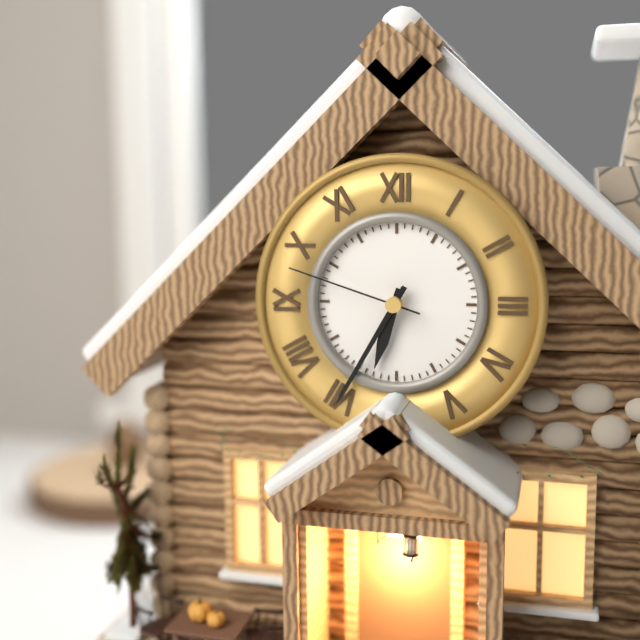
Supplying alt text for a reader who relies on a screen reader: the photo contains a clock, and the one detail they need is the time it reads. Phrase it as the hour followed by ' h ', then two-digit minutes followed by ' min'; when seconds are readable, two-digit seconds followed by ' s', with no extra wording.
6 h 35 min 48 s
